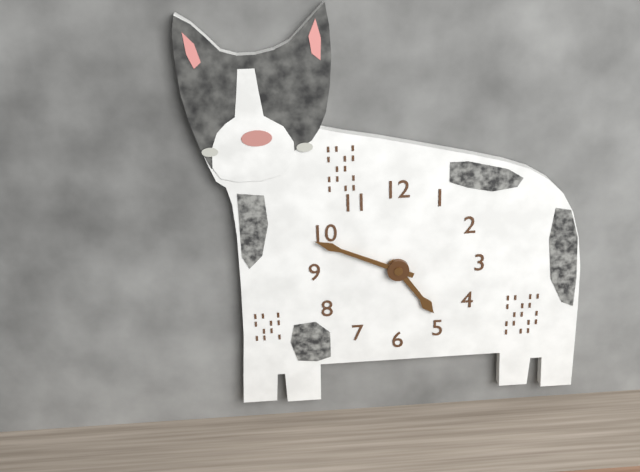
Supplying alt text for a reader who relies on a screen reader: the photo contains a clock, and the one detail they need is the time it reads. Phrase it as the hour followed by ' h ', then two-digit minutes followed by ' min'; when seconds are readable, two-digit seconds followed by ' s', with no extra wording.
4 h 49 min
